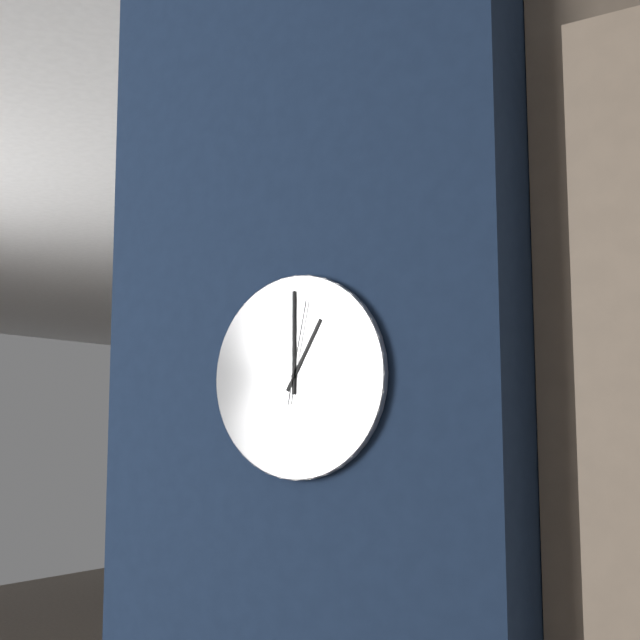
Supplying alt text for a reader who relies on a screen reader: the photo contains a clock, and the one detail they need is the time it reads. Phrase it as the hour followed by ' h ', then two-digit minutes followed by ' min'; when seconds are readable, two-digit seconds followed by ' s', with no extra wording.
1 h 00 min 02 s
